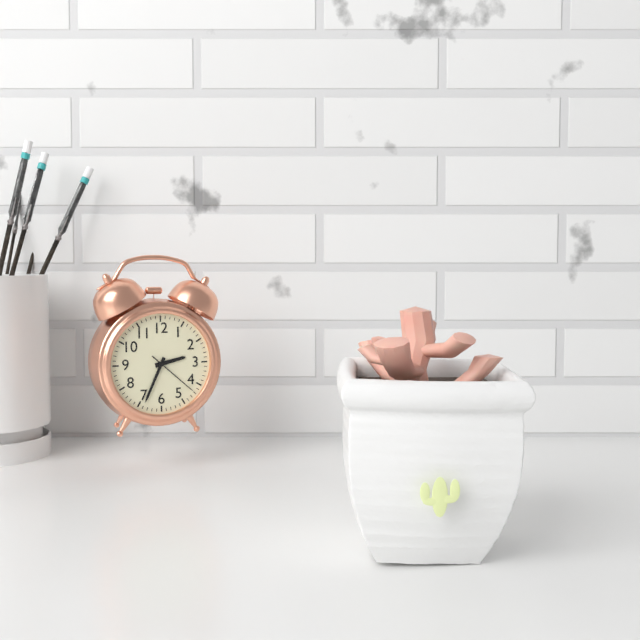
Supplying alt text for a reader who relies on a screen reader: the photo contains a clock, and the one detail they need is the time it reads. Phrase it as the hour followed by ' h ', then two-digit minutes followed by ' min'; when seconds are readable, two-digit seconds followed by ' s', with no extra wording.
2 h 34 min 22 s
